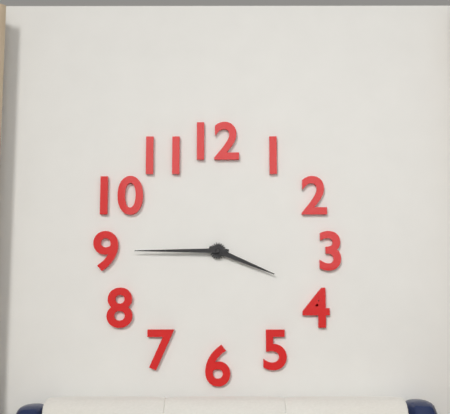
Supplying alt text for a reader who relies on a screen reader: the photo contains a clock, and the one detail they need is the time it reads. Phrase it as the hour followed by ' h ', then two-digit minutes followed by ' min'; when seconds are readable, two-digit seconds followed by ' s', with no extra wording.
3 h 45 min
